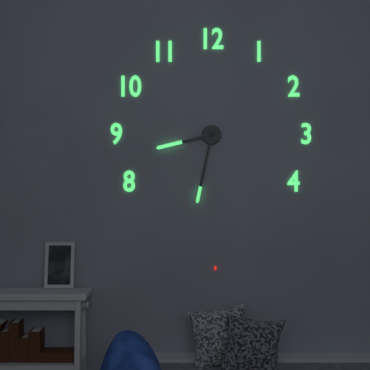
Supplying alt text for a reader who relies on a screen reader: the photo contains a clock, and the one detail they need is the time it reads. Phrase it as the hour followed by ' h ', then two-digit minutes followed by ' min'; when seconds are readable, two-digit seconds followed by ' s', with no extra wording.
8 h 32 min
